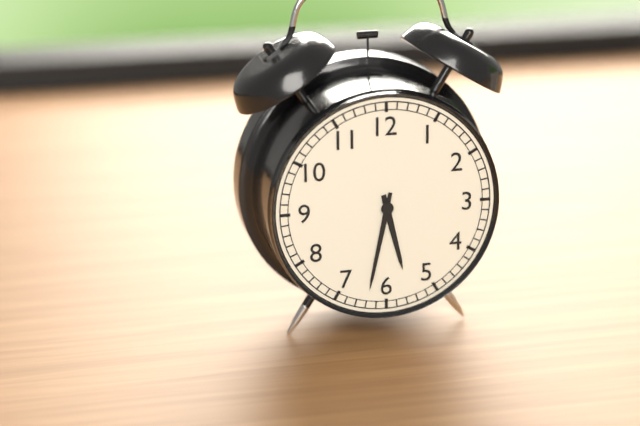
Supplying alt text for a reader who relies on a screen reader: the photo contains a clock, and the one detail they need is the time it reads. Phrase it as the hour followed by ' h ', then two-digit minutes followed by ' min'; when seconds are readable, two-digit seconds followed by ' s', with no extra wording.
5 h 32 min
